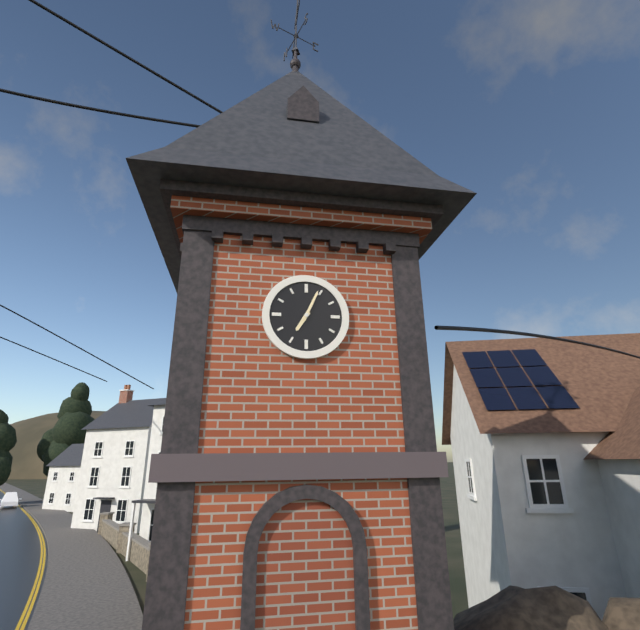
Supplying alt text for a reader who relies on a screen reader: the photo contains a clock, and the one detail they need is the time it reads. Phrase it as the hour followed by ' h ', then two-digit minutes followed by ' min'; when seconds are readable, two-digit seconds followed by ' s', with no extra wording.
7 h 04 min
